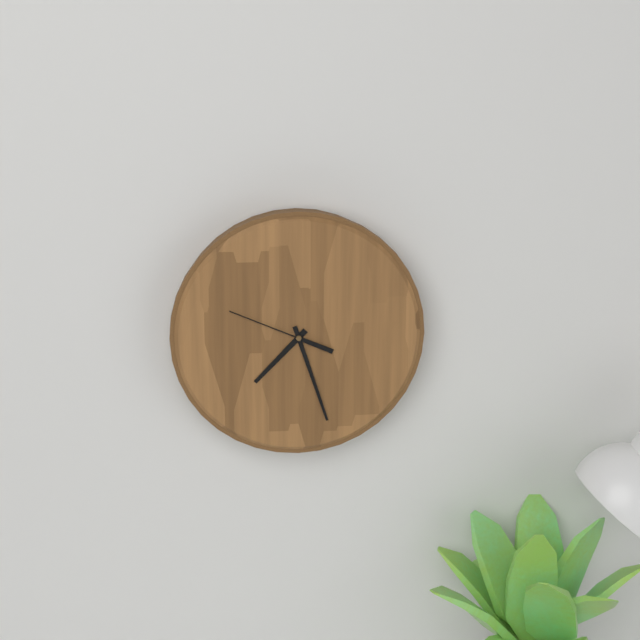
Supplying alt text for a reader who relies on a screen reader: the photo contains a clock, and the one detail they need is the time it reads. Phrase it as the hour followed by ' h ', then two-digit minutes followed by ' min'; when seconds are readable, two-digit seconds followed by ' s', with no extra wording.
7 h 27 min 49 s
